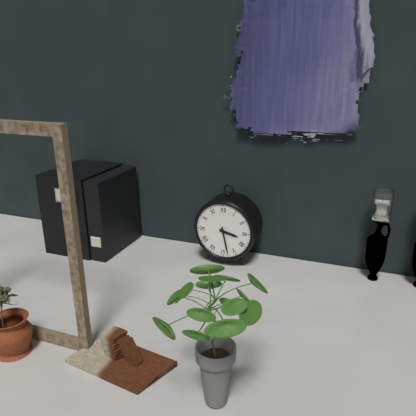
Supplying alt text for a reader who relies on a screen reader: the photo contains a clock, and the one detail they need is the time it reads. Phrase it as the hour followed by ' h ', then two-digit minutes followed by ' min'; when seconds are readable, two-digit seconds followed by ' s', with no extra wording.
3 h 28 min
